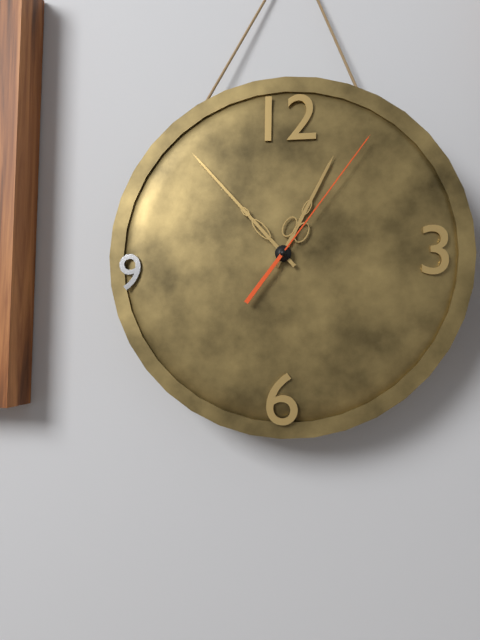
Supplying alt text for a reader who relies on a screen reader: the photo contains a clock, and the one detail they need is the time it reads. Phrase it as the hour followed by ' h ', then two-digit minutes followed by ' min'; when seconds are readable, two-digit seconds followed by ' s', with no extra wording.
12 h 53 min 06 s
